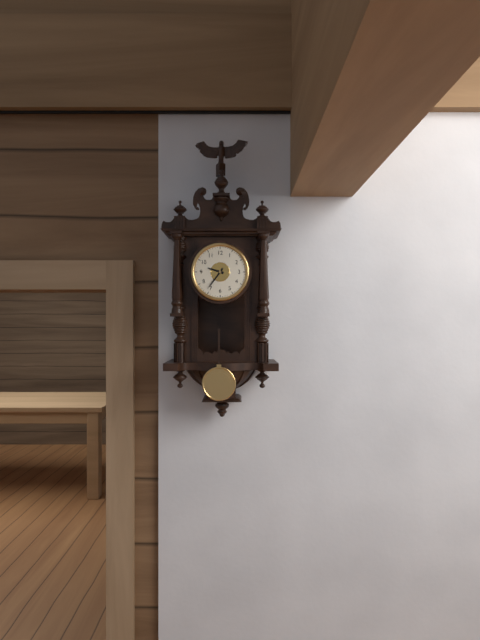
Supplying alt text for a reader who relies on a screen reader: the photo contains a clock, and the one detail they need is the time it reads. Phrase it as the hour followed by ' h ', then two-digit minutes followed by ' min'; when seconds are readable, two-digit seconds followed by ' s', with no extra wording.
9 h 36 min
